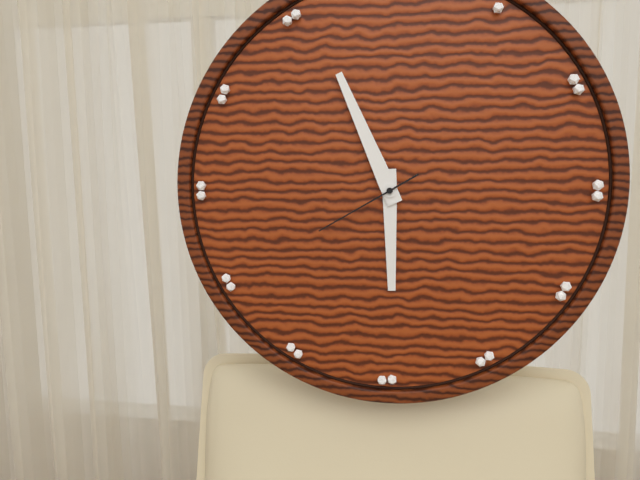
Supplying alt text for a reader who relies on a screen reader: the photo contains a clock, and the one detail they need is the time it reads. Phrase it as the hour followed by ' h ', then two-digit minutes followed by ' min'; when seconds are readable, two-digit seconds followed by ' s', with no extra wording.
5 h 56 min 40 s
